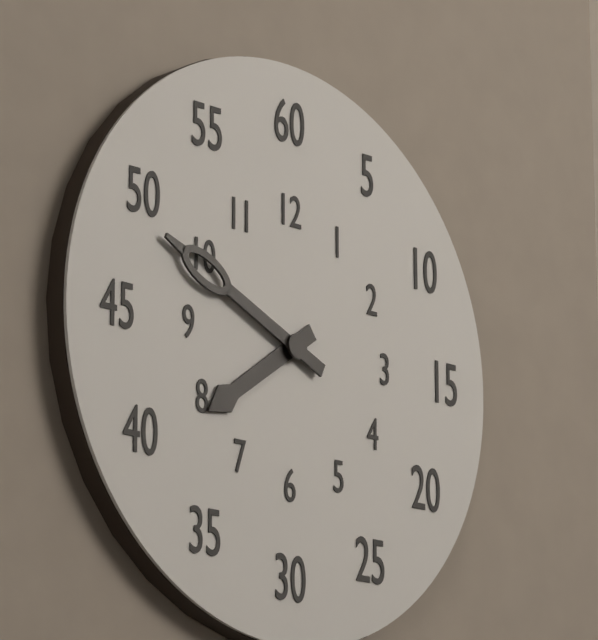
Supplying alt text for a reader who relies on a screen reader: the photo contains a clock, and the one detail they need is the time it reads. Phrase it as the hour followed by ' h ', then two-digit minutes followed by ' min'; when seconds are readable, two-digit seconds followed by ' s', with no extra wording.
7 h 49 min
